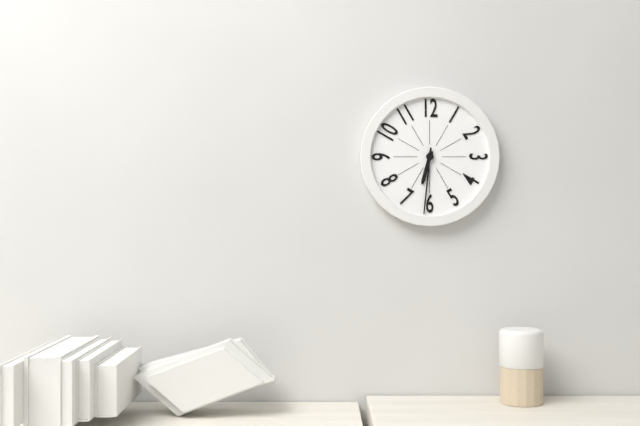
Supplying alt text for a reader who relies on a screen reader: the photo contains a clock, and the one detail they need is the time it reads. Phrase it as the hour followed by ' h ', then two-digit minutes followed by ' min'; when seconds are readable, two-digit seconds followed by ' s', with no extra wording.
6 h 31 min
